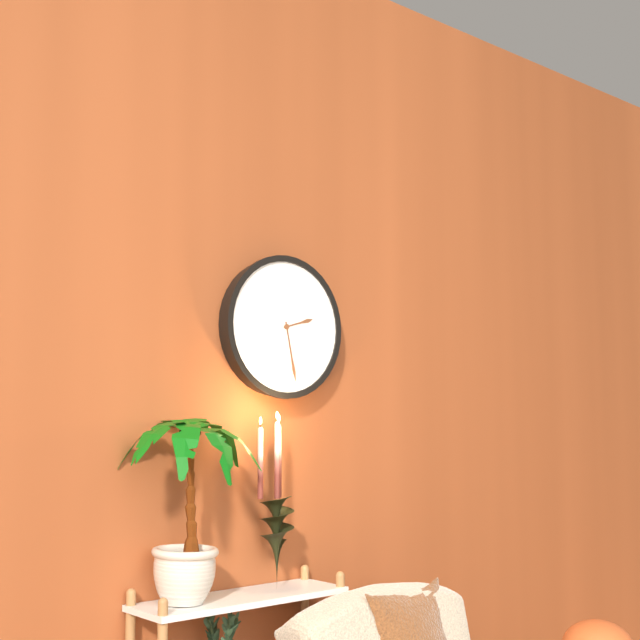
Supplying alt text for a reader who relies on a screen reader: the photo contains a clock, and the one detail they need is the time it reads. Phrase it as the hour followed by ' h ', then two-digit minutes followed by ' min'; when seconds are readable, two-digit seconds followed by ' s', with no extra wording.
2 h 28 min
